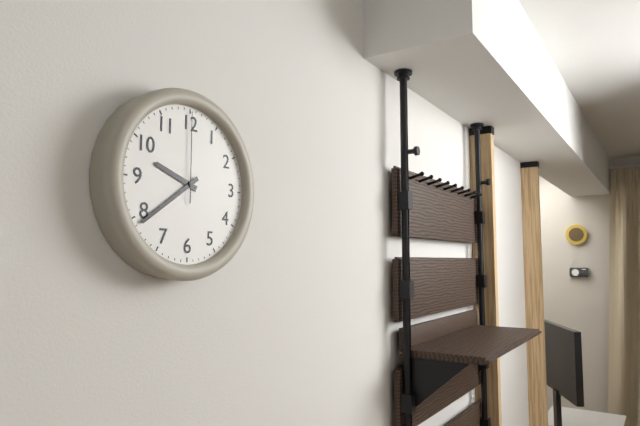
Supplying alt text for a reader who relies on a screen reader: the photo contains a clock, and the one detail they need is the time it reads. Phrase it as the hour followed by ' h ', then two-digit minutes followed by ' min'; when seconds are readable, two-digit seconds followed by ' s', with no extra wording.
9 h 39 min 00 s
